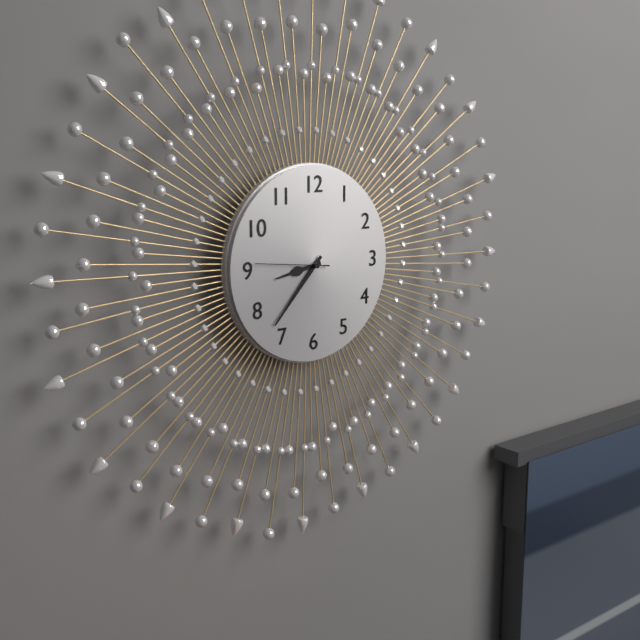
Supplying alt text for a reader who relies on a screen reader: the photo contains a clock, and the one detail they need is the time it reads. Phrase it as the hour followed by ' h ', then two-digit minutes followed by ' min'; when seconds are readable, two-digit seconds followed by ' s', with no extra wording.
8 h 37 min 46 s
